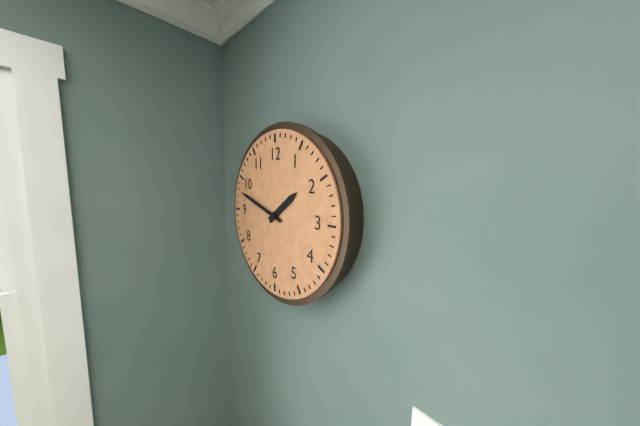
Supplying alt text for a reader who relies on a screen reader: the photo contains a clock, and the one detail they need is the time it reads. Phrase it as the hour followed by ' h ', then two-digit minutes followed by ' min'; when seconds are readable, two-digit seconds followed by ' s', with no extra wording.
1 h 48 min
